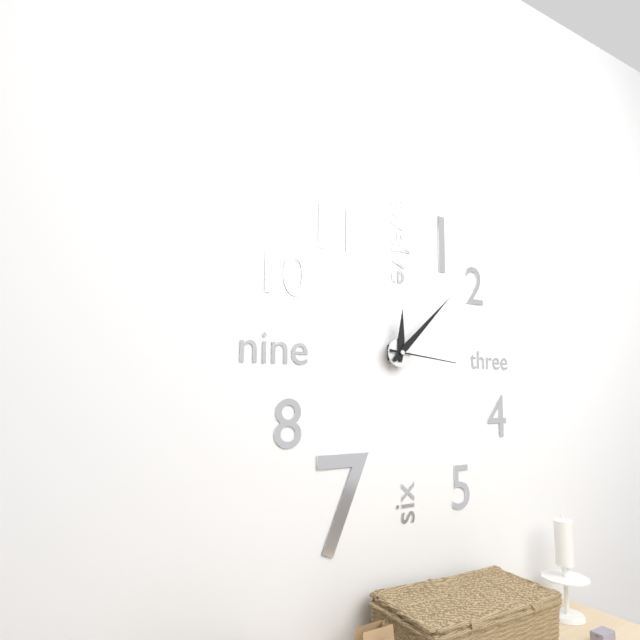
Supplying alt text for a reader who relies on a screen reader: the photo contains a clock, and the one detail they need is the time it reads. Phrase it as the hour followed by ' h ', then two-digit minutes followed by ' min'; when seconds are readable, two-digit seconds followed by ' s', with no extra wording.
12 h 08 min 16 s
